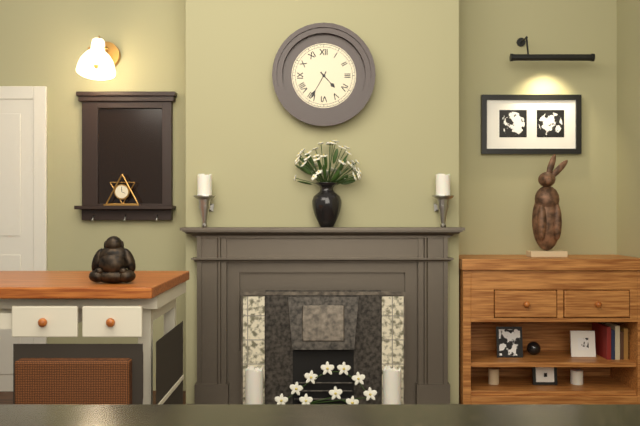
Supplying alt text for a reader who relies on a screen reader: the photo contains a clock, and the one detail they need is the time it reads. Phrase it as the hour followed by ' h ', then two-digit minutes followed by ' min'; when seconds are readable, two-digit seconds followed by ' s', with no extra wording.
4 h 35 min
